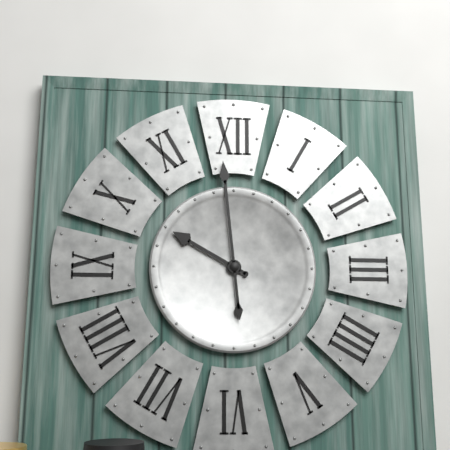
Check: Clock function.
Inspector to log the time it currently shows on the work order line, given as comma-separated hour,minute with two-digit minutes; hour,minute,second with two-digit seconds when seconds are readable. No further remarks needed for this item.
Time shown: 9,59
